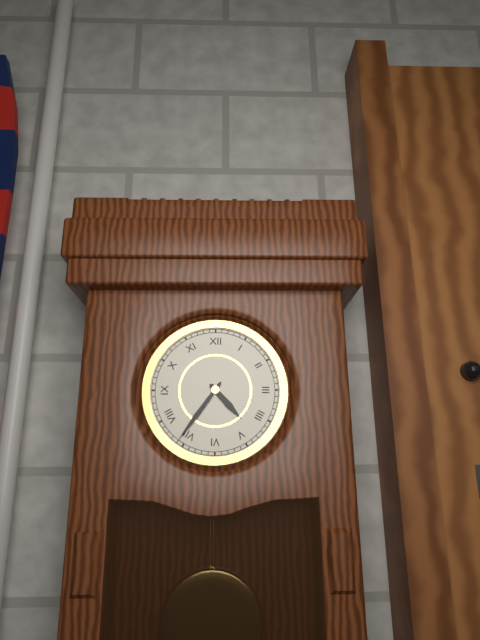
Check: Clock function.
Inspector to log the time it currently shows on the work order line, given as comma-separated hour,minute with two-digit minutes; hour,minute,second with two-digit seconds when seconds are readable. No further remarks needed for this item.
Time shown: 4,36
